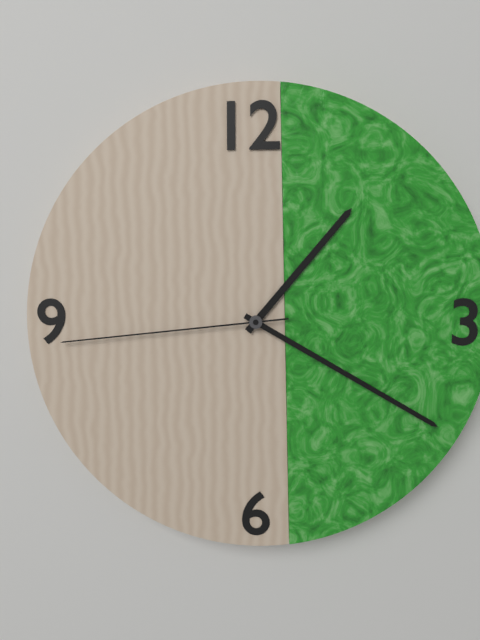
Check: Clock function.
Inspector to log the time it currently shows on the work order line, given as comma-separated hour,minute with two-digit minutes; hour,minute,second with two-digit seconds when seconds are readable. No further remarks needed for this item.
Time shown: 1,20,44
